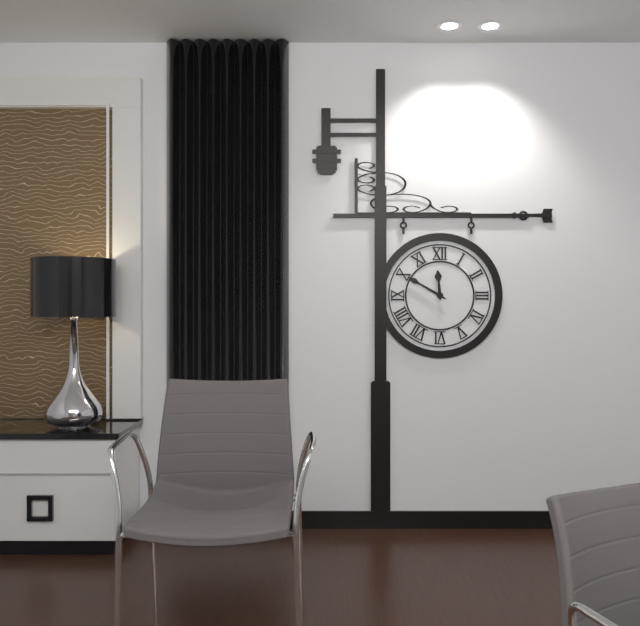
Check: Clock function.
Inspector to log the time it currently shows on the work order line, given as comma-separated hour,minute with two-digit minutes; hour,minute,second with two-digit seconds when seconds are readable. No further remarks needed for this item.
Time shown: 11,50
